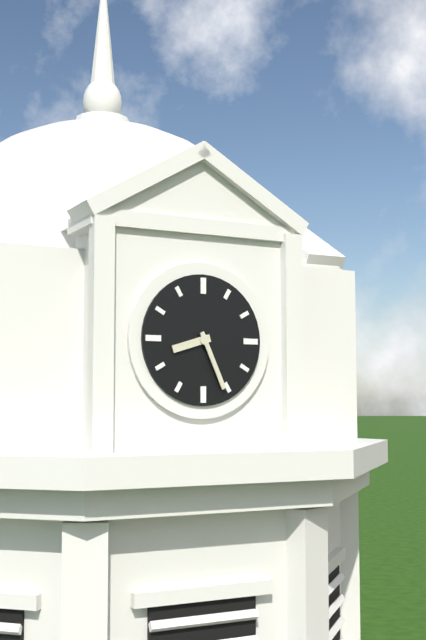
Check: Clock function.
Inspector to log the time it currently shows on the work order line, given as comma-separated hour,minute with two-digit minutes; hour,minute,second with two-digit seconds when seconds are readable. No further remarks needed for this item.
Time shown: 8,26
